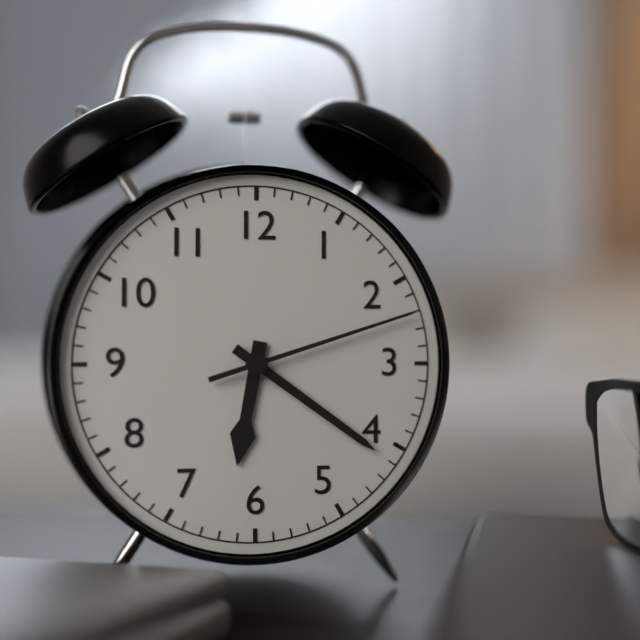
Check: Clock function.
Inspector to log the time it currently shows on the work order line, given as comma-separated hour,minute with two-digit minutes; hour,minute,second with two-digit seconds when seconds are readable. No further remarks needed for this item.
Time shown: 6,21,12
